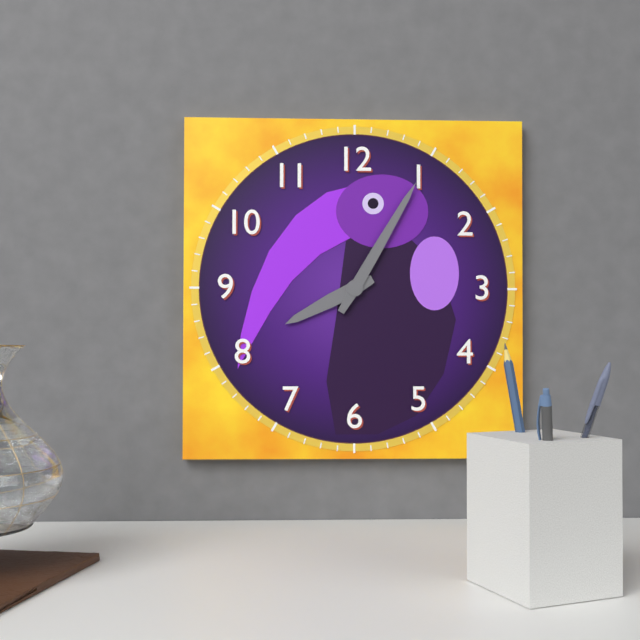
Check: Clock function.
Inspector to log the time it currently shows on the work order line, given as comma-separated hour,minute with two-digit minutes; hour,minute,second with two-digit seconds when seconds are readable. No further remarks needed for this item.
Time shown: 8,05
